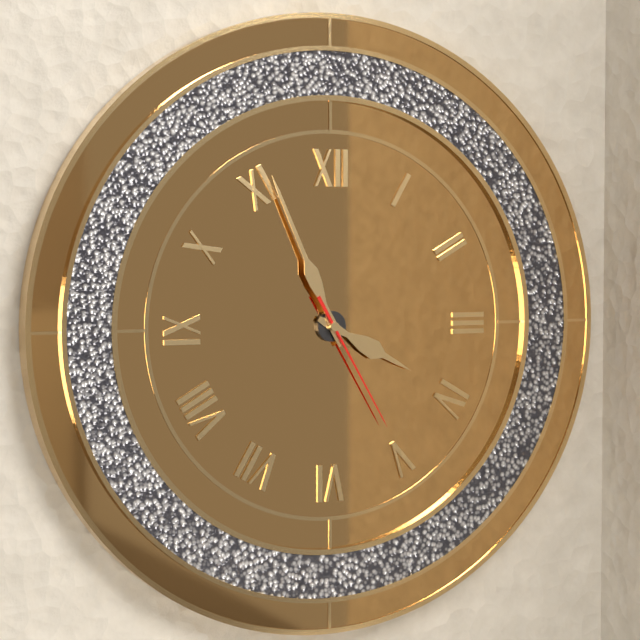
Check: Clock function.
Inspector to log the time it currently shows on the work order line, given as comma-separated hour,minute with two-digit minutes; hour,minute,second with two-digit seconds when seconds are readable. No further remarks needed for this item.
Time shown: 3,56,25
